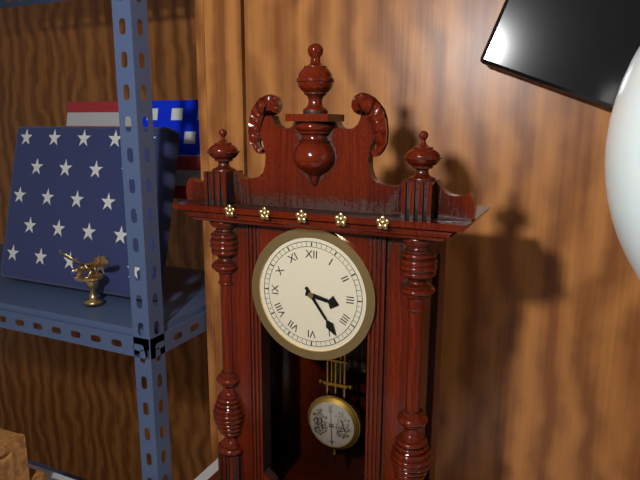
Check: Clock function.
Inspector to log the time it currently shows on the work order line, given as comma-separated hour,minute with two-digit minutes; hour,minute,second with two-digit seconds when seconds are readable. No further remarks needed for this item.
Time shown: 3,24
